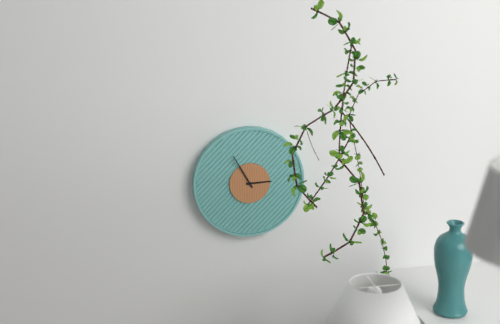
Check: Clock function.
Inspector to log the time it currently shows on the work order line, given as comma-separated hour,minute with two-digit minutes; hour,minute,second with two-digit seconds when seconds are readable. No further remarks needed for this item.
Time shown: 2,55
